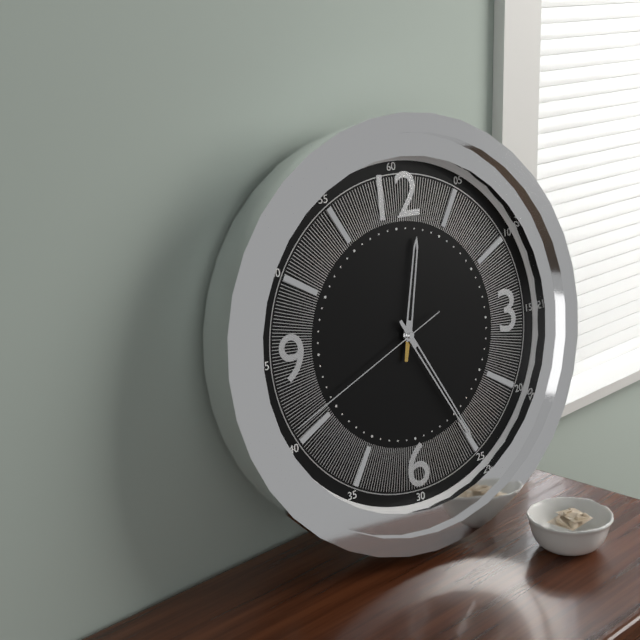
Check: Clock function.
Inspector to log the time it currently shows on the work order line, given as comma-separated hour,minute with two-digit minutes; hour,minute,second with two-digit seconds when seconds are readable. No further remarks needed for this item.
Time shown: 12,25,41
